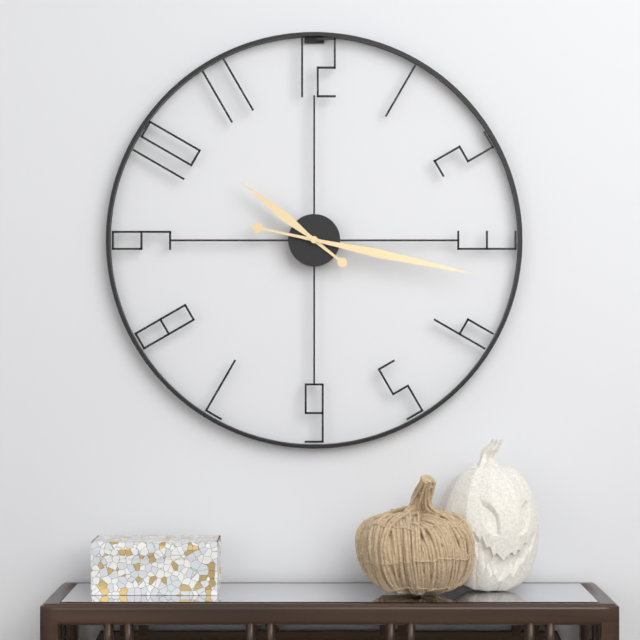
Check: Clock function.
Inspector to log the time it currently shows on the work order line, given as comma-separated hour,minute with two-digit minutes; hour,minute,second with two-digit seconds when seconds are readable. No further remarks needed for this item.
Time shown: 10,17
